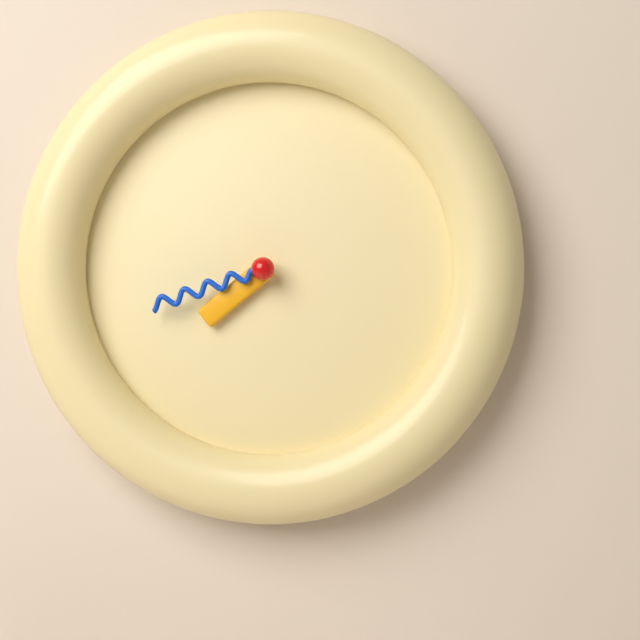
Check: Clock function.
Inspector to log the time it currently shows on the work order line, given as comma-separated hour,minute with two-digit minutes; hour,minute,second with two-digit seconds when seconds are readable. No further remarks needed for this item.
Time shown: 7,42
